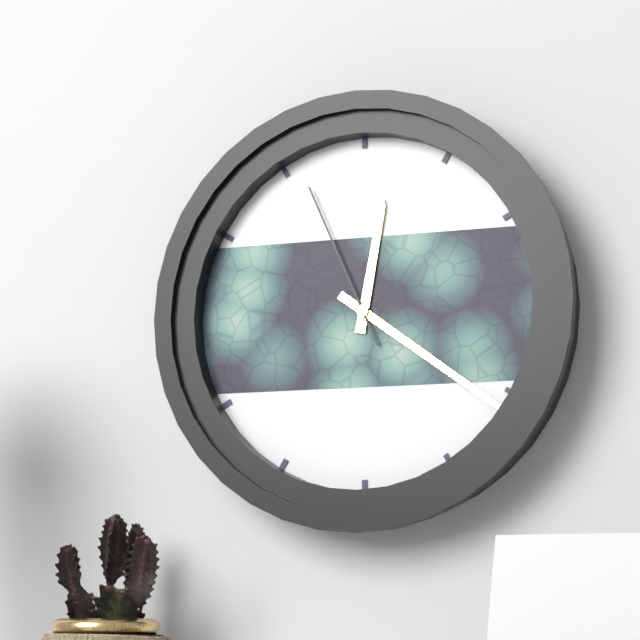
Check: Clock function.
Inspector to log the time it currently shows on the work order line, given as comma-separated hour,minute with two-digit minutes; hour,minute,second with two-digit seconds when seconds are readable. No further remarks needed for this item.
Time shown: 12,21,56
